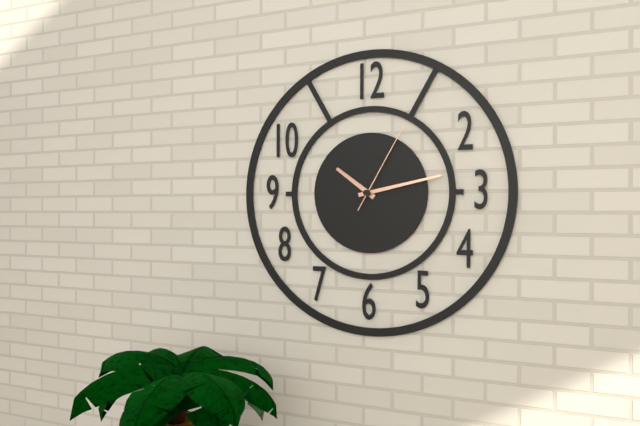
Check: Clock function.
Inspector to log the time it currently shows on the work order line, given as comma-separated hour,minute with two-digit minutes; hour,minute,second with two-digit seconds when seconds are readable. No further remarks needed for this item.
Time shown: 10,13,05
